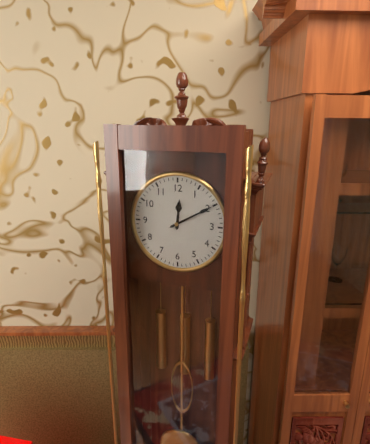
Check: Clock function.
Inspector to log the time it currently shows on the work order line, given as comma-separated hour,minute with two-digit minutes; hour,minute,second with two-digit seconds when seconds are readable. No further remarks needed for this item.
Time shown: 12,10
